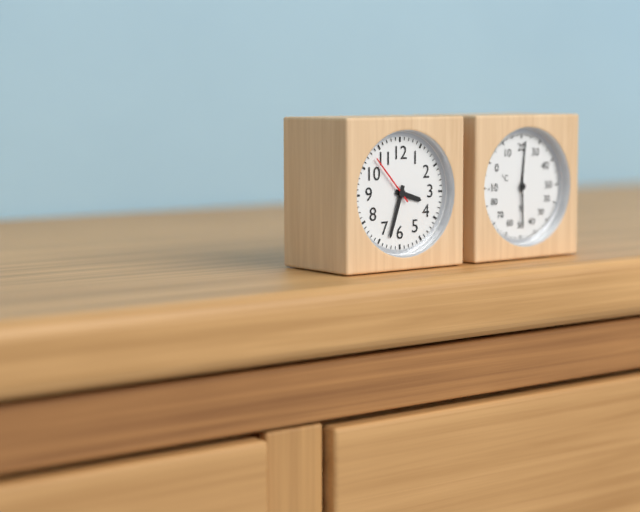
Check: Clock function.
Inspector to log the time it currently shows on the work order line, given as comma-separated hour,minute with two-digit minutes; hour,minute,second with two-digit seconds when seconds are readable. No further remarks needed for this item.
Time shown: 3,33,53
